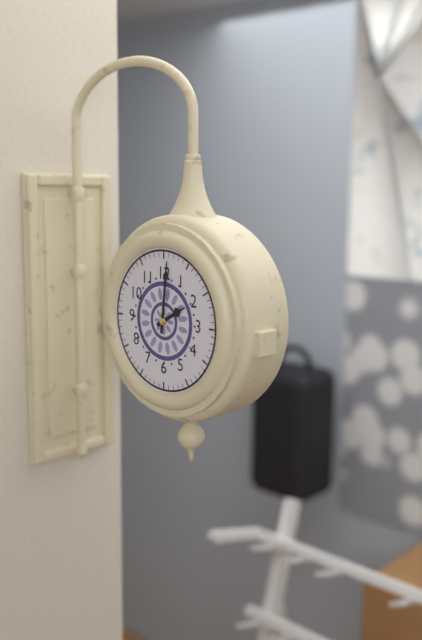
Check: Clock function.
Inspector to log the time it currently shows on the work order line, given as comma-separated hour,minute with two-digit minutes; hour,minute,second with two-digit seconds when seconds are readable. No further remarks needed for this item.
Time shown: 2,01
